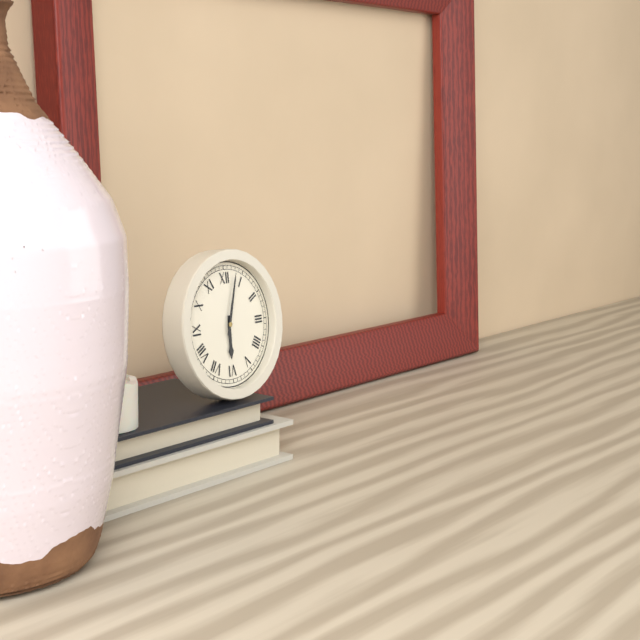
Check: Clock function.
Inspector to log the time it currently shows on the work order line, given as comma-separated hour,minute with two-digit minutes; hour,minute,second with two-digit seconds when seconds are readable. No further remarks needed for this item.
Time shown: 6,03
